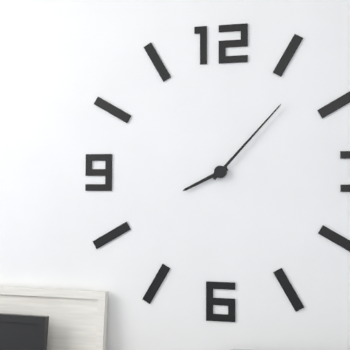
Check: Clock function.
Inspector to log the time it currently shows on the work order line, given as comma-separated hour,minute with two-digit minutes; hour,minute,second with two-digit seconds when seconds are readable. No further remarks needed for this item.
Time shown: 8,07
